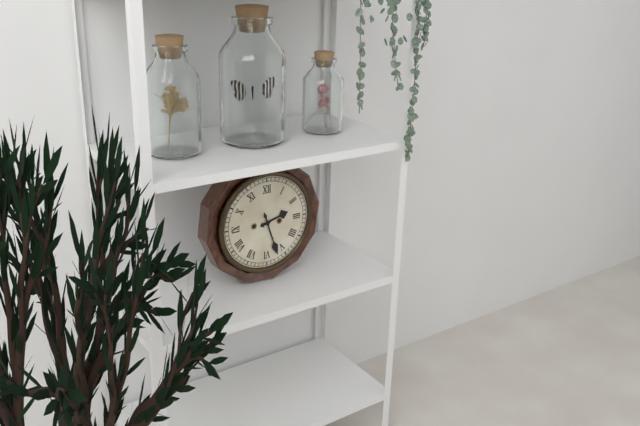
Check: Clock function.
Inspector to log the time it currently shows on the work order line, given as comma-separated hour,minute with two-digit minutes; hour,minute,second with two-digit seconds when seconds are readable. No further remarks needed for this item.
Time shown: 2,27
